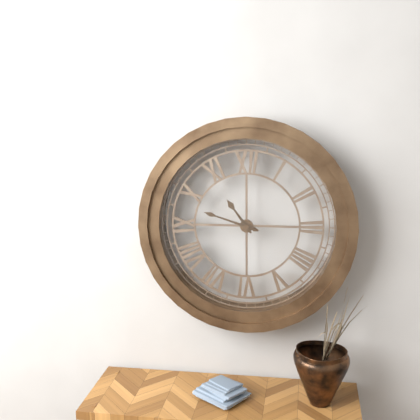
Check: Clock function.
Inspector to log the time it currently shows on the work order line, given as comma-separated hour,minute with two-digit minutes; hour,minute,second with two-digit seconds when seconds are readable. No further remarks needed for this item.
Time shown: 10,48
